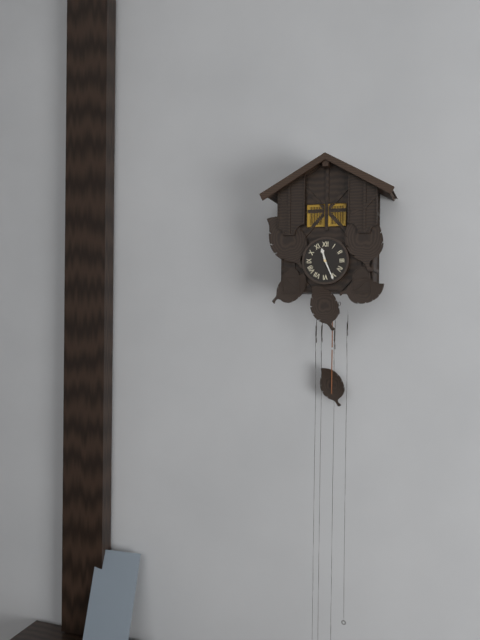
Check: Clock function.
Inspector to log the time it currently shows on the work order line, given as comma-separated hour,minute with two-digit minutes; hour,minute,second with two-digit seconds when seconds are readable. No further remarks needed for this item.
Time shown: 11,26
